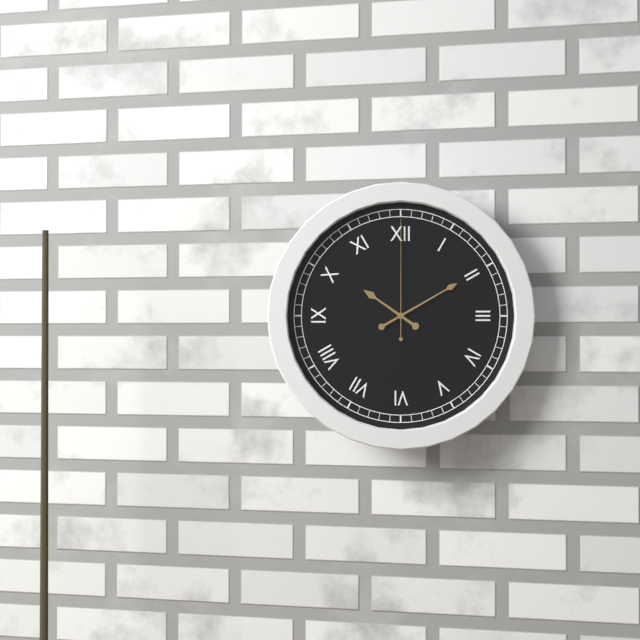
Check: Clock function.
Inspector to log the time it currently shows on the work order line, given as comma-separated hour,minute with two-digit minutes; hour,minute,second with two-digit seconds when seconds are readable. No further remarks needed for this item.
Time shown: 10,10,00
